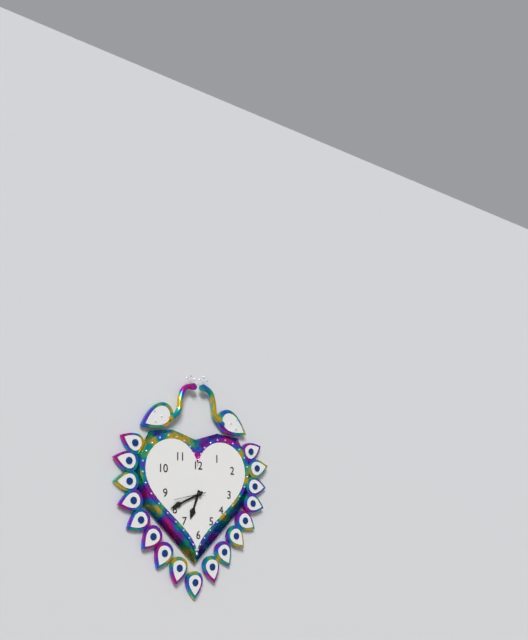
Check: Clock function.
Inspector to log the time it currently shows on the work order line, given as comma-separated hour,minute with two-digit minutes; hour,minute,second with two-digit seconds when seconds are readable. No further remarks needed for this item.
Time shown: 6,41
